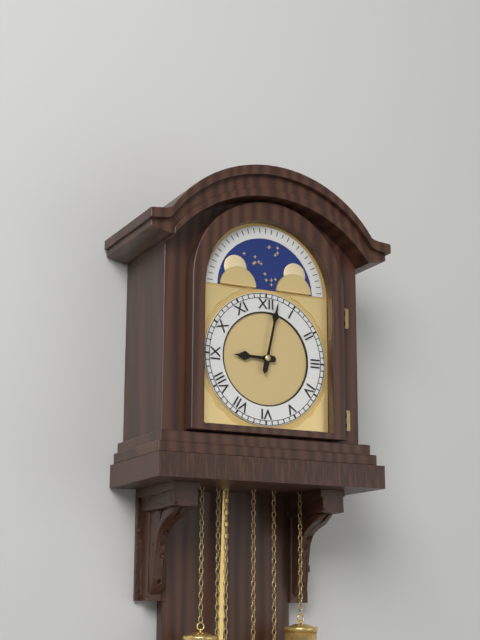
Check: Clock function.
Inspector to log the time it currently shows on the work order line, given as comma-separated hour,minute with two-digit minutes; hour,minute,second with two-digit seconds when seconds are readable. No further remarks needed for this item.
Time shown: 9,02
